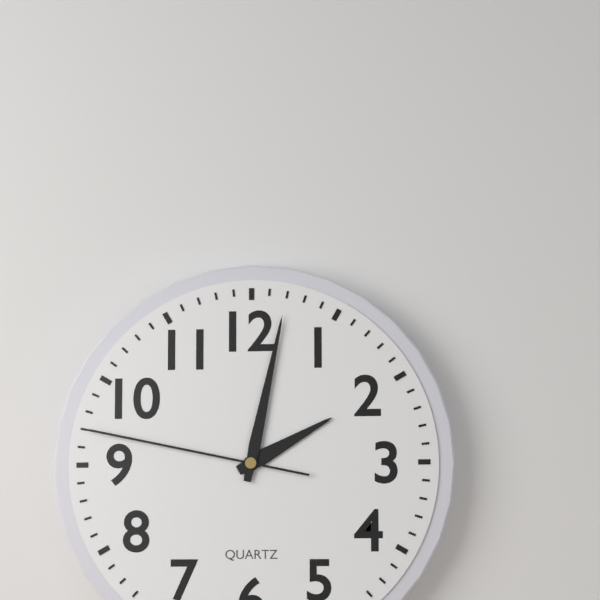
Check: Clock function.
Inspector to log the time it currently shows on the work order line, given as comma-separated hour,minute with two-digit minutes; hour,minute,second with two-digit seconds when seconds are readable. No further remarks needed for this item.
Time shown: 2,02,47
